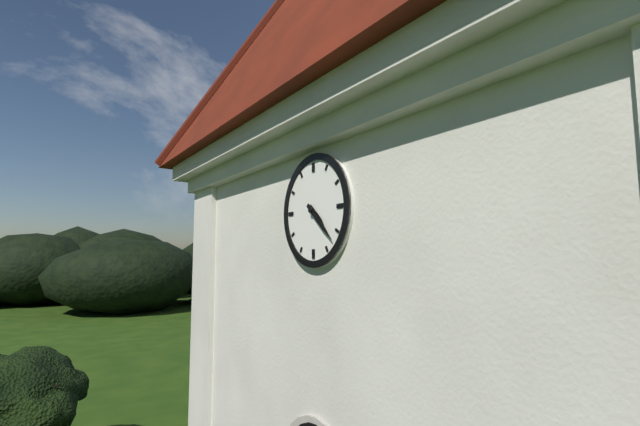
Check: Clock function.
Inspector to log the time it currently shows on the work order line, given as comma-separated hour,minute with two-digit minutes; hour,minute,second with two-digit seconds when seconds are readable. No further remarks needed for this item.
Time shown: 4,22
